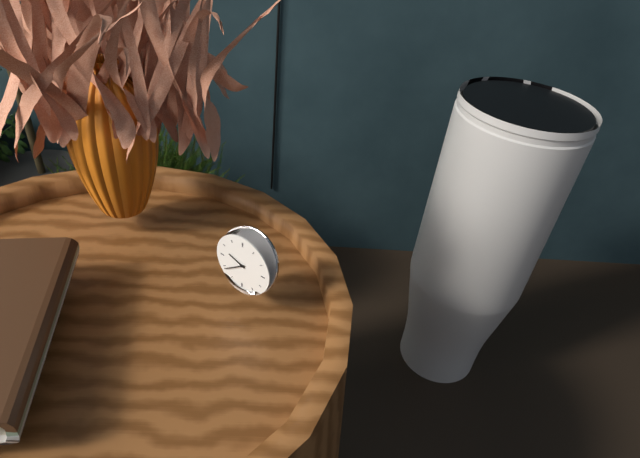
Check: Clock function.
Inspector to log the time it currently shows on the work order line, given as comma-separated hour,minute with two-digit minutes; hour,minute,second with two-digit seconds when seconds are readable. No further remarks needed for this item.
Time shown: 9,39
